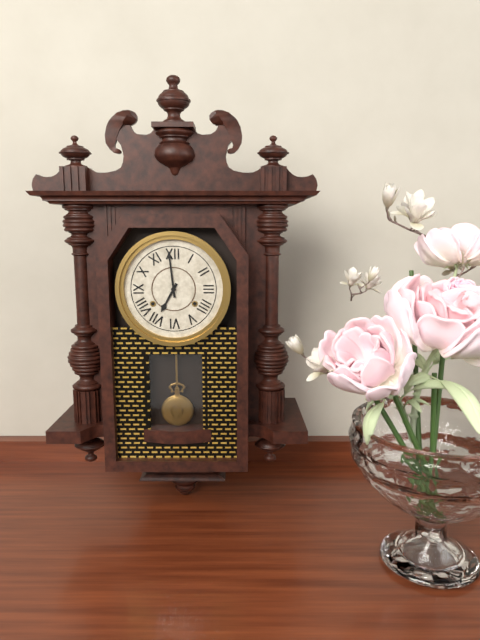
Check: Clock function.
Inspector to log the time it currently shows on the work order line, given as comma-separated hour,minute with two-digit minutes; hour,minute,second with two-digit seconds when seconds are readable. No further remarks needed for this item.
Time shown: 6,59
